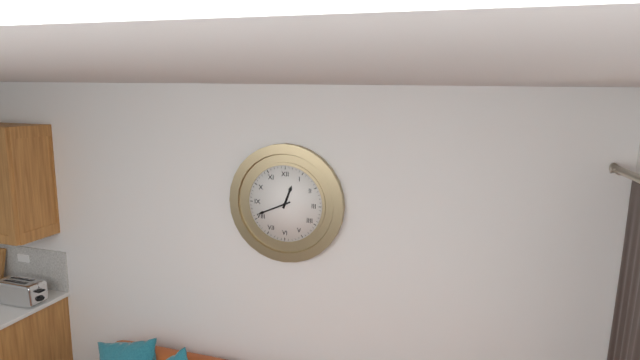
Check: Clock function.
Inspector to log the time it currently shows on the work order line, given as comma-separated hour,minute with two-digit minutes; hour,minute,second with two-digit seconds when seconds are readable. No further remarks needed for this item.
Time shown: 12,41
